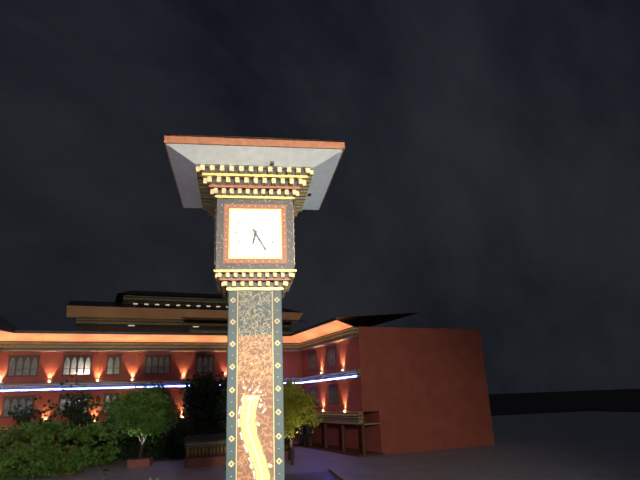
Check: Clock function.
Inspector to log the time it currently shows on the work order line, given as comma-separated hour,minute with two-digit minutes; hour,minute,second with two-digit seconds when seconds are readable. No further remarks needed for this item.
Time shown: 6,25
